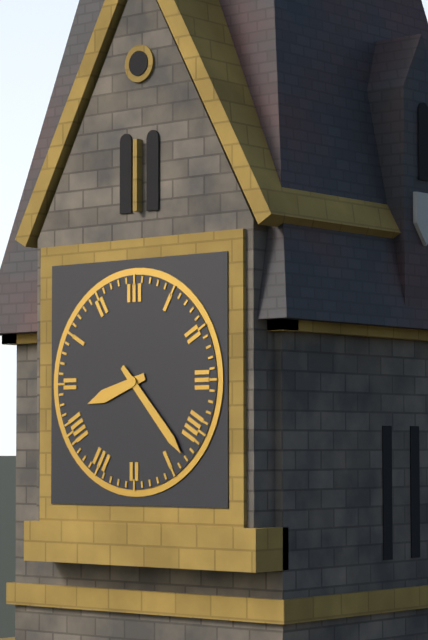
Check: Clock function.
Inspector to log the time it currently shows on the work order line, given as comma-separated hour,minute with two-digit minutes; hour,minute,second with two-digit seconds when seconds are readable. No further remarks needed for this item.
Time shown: 8,23
